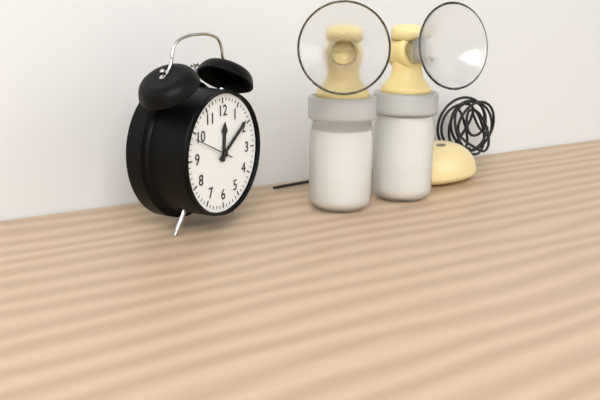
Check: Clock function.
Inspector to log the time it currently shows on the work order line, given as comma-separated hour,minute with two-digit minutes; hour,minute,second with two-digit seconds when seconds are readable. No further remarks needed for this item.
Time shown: 12,09
